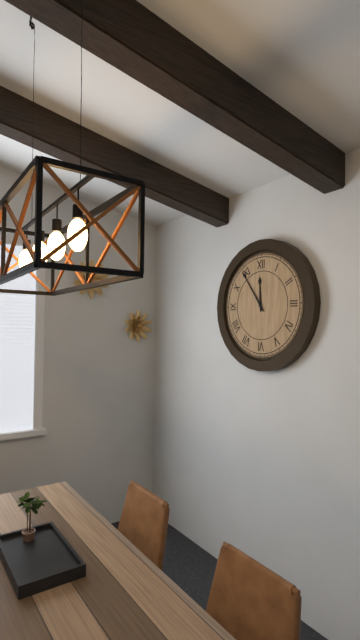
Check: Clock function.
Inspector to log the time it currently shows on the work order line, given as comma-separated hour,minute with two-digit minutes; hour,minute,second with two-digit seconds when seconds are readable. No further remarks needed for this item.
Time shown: 11,54
